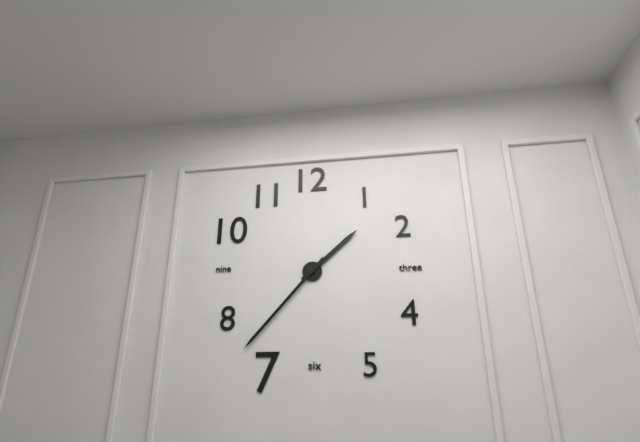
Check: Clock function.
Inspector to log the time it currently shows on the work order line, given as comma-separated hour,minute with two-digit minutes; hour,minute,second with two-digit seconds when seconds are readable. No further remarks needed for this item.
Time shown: 1,37
